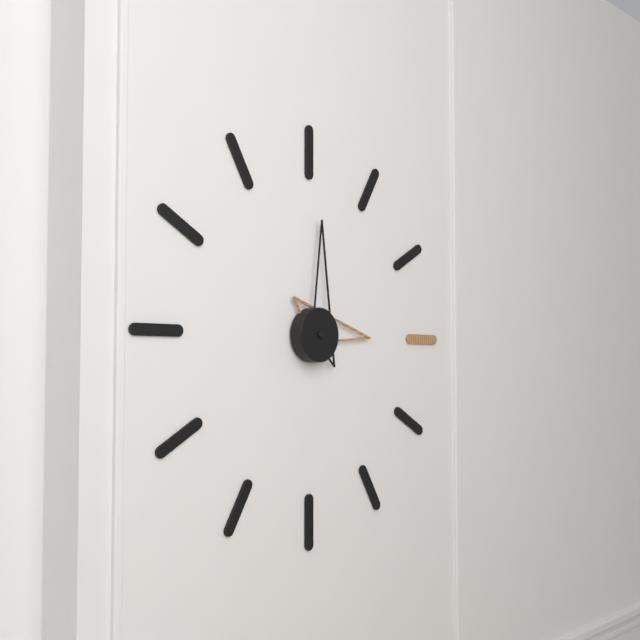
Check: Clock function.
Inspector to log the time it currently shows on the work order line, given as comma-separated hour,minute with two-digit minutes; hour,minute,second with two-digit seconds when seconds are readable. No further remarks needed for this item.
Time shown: 3,01
